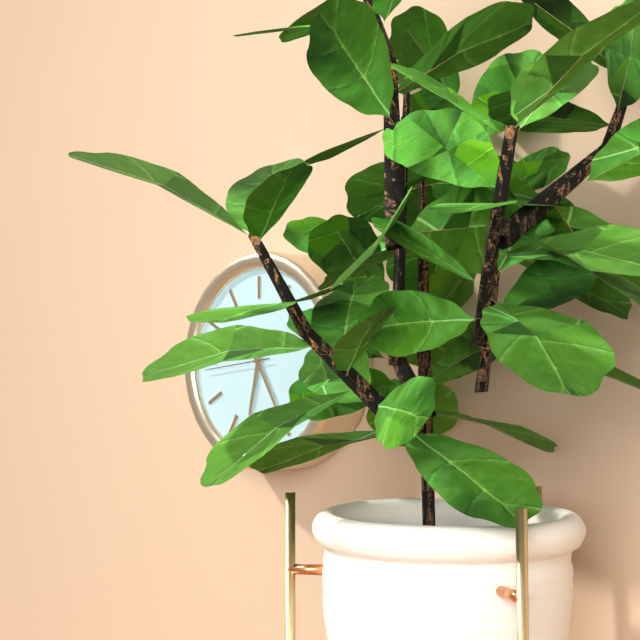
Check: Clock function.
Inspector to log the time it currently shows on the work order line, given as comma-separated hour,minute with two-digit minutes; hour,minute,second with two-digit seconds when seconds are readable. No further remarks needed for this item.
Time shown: 6,25,44
